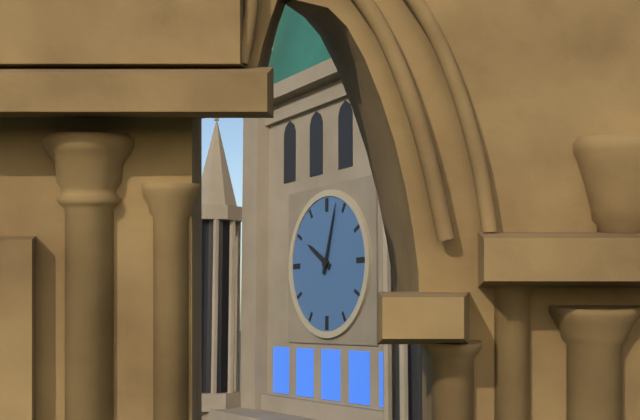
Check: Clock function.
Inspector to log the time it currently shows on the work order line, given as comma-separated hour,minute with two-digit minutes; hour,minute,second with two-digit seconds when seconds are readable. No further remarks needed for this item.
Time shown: 10,03
